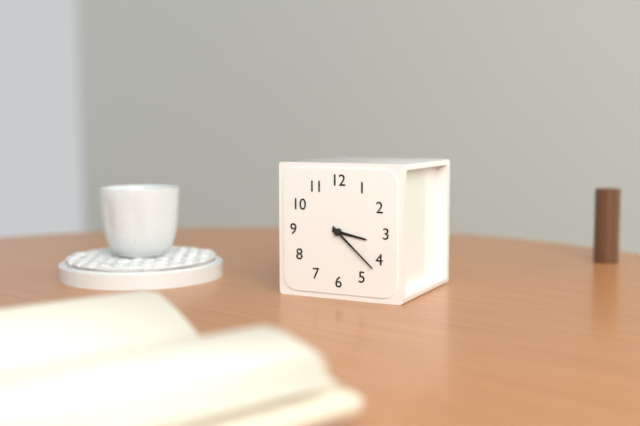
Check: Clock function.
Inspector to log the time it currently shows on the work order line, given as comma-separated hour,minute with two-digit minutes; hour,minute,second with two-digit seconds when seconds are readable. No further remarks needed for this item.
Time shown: 3,22
